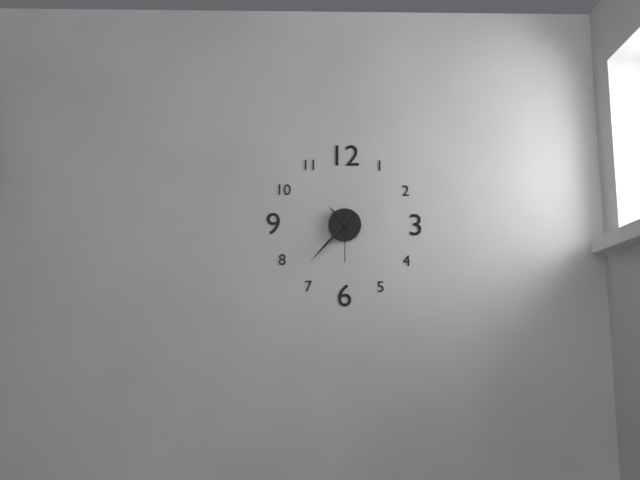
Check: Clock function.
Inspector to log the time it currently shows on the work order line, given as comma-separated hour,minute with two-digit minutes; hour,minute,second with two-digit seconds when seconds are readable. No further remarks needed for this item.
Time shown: 10,37
